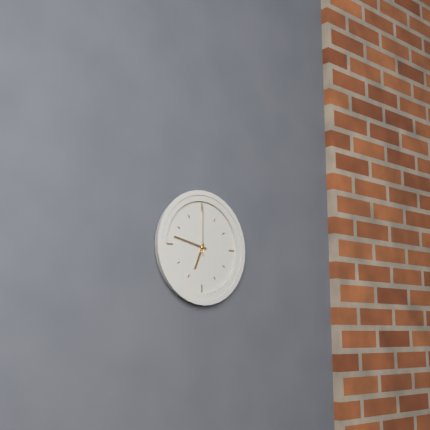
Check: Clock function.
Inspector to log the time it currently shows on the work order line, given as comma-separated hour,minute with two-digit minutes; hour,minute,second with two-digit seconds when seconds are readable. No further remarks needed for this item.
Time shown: 6,47,00
